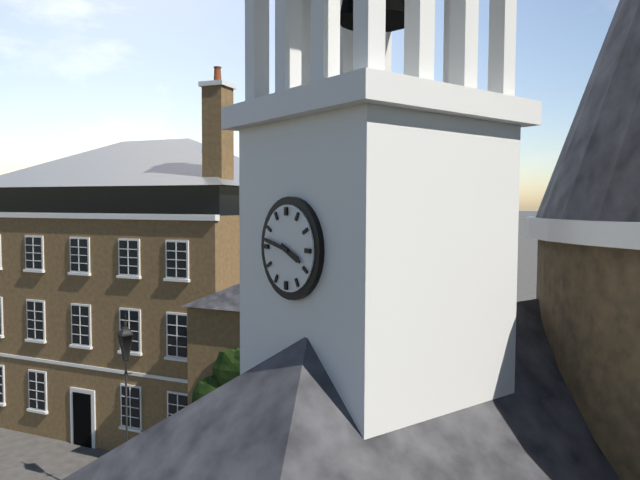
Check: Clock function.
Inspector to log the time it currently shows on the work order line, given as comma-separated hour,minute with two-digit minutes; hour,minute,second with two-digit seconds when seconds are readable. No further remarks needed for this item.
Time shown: 3,47
